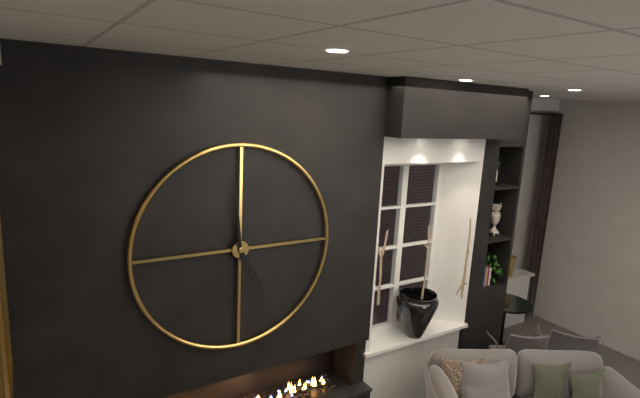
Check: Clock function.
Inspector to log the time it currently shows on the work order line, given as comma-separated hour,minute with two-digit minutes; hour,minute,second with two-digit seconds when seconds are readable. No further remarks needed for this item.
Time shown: 4,59
